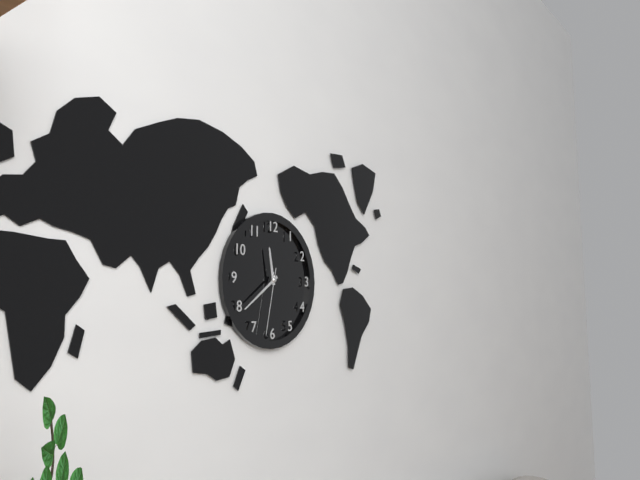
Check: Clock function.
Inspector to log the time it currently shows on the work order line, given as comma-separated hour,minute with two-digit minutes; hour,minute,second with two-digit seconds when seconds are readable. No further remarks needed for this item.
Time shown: 11,39,32
